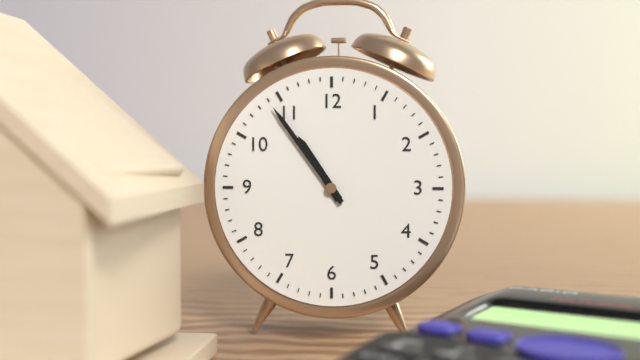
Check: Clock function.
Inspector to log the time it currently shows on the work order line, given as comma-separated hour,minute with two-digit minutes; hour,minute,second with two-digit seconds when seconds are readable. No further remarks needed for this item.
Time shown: 10,54
